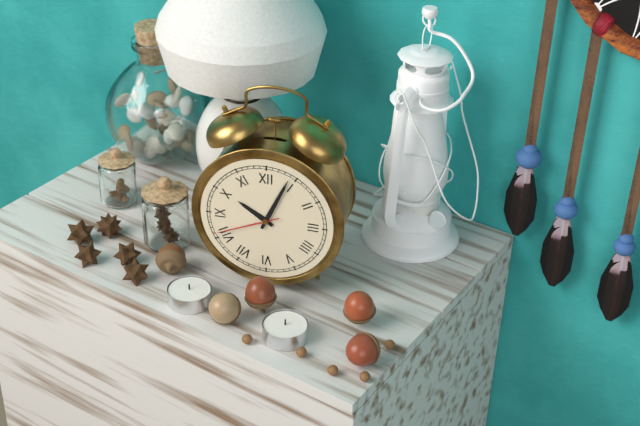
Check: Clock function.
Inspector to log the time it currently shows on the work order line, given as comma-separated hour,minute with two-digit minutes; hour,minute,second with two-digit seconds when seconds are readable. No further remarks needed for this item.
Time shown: 10,04,41
